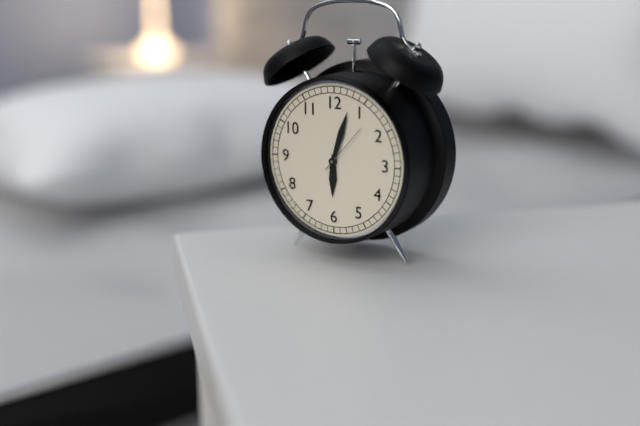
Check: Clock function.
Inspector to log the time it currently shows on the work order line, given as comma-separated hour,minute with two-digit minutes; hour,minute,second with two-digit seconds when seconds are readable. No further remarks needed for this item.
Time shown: 6,03,07
